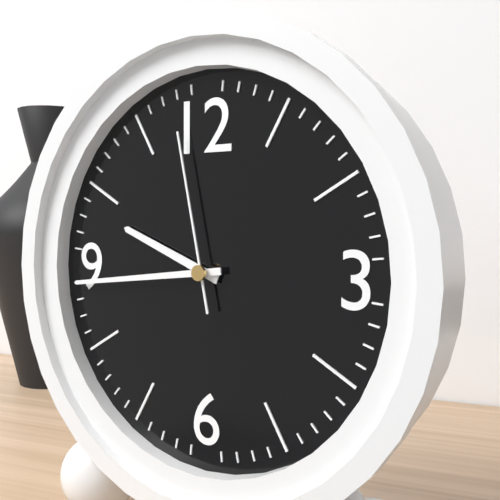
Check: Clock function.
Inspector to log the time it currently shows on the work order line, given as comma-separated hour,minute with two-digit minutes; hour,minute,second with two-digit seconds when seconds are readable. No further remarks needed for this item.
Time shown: 9,44,58
